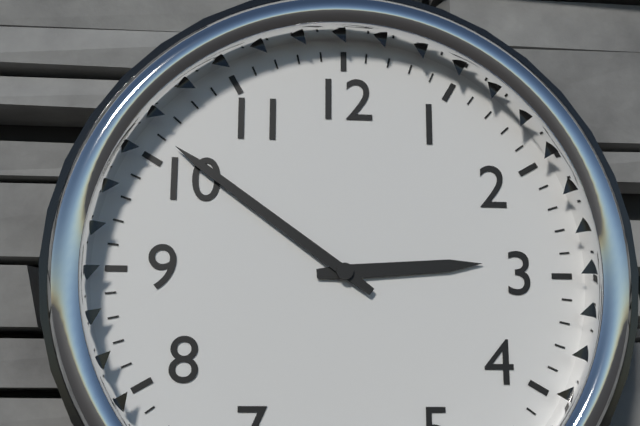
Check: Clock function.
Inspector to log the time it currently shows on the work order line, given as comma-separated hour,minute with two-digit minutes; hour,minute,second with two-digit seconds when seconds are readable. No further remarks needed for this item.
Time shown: 2,51
